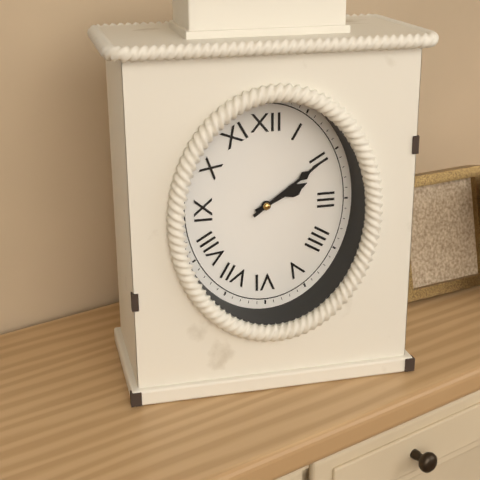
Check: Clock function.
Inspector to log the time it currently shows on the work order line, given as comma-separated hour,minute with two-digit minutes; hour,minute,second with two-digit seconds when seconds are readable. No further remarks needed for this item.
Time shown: 2,09
